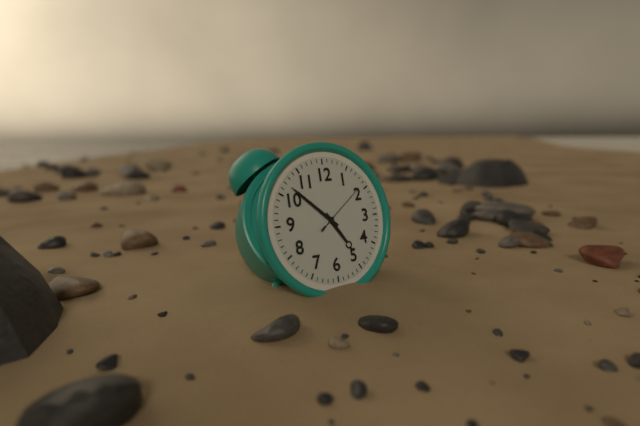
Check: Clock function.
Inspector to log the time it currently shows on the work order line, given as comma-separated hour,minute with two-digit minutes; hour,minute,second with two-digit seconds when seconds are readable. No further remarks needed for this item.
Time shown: 4,52,09
